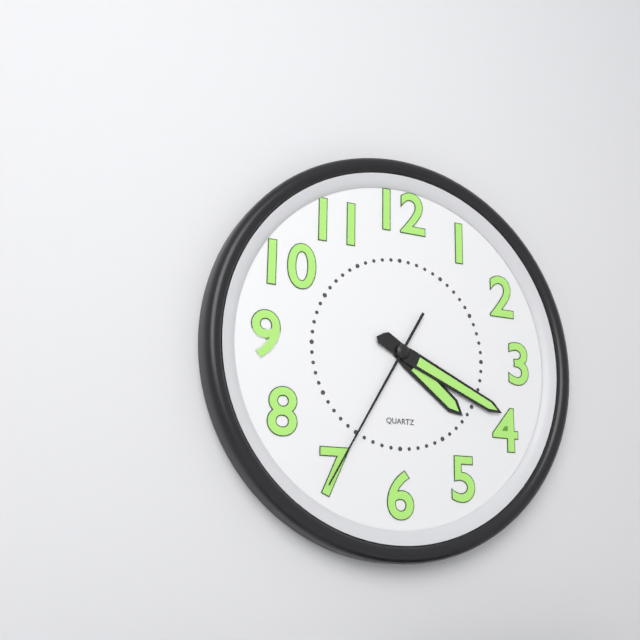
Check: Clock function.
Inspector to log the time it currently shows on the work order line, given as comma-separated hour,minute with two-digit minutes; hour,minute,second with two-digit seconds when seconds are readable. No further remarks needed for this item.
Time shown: 4,19,35
